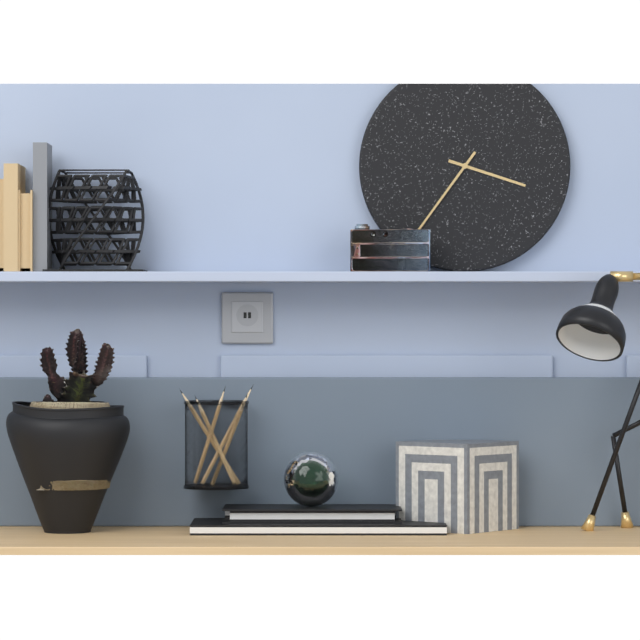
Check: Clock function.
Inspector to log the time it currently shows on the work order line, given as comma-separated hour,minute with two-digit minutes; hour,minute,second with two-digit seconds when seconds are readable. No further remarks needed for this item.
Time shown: 3,36
